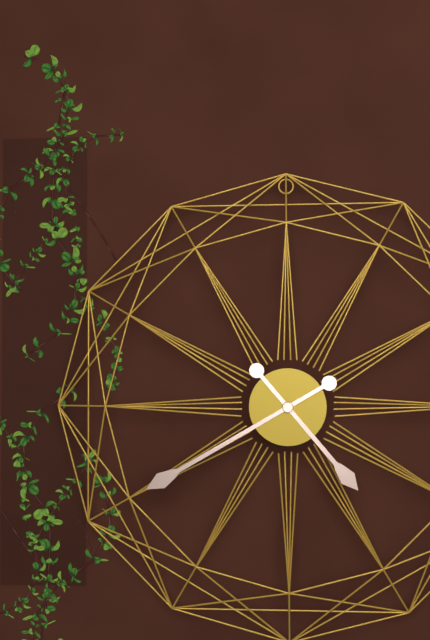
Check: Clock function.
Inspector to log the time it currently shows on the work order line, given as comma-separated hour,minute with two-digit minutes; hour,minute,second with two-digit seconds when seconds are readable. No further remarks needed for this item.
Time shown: 4,40
